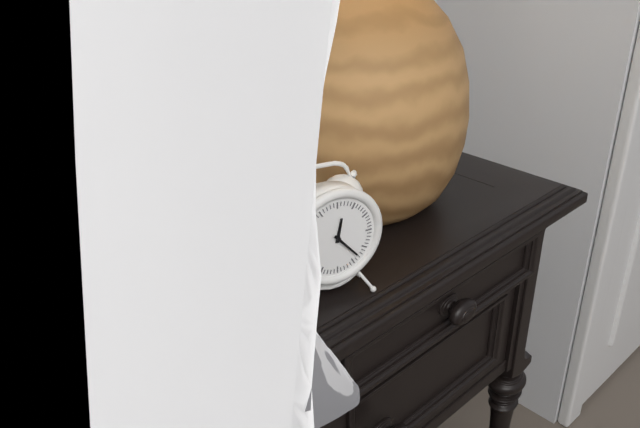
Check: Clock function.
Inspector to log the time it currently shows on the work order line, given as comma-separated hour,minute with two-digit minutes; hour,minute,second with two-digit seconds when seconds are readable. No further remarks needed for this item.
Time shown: 12,23
